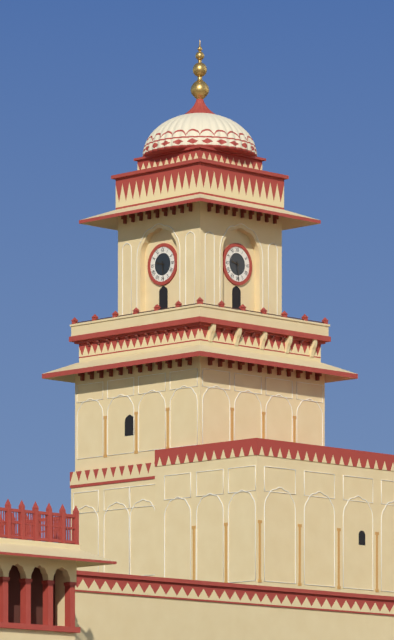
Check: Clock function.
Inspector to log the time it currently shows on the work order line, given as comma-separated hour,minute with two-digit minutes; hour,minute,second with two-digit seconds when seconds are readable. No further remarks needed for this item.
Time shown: 9,29
